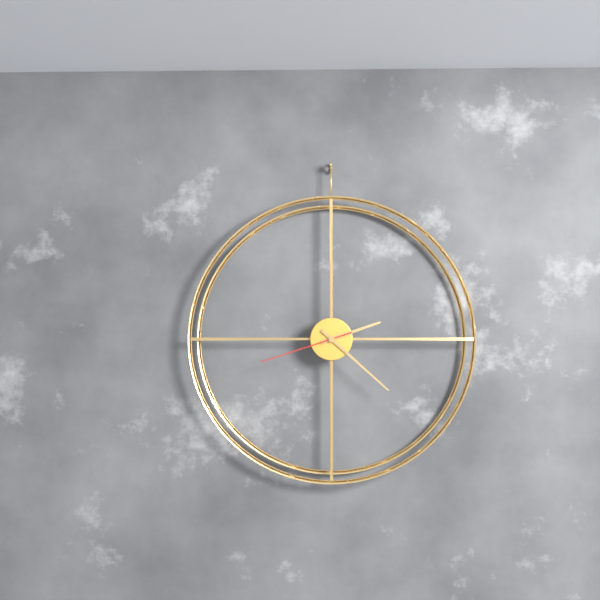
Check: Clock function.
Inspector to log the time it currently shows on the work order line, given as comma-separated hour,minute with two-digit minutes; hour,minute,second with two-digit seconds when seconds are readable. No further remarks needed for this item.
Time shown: 2,22,42
